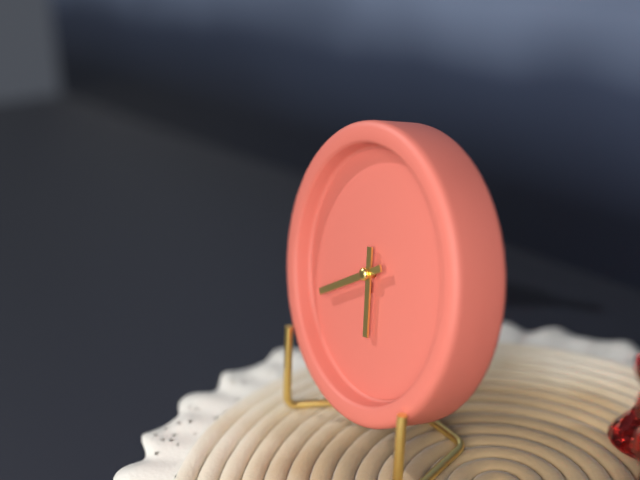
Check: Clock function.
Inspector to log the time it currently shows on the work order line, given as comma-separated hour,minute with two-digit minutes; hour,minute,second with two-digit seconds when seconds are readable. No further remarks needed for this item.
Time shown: 5,40
